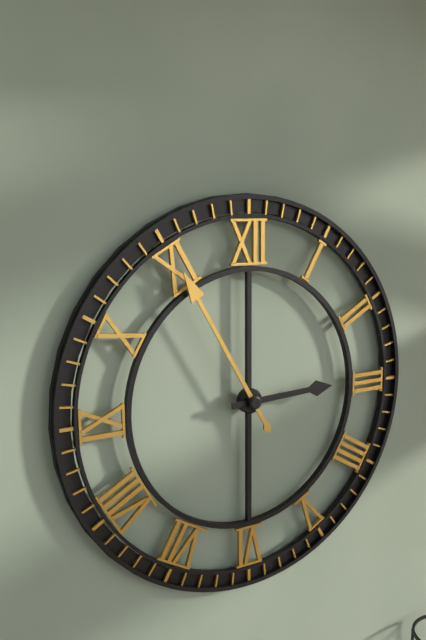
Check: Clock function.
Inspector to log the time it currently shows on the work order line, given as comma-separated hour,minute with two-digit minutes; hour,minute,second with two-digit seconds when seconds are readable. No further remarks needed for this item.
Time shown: 2,55
